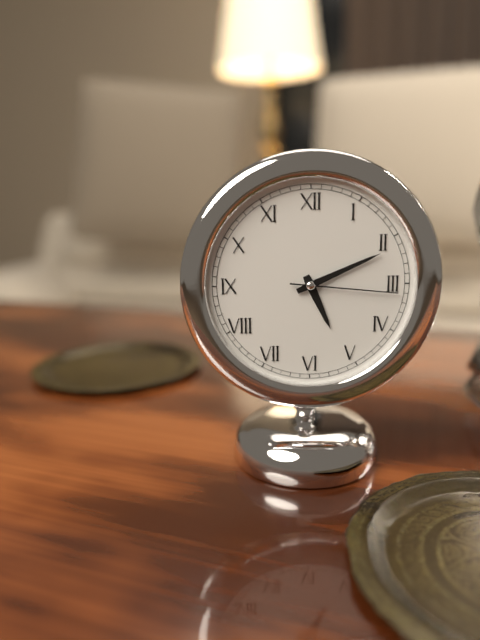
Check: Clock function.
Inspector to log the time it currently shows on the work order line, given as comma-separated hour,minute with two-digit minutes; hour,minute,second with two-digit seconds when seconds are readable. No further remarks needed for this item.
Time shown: 5,11,16
